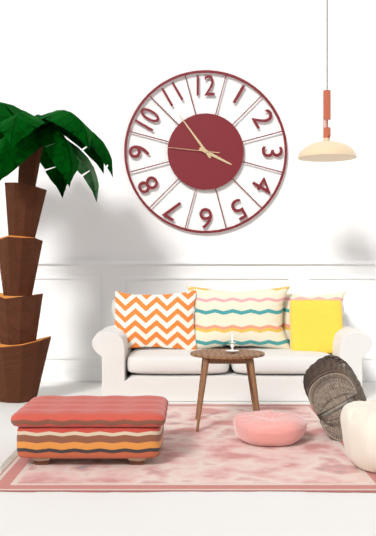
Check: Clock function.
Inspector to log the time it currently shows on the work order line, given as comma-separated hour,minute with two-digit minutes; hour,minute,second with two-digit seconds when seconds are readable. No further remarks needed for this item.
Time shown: 3,54,46
